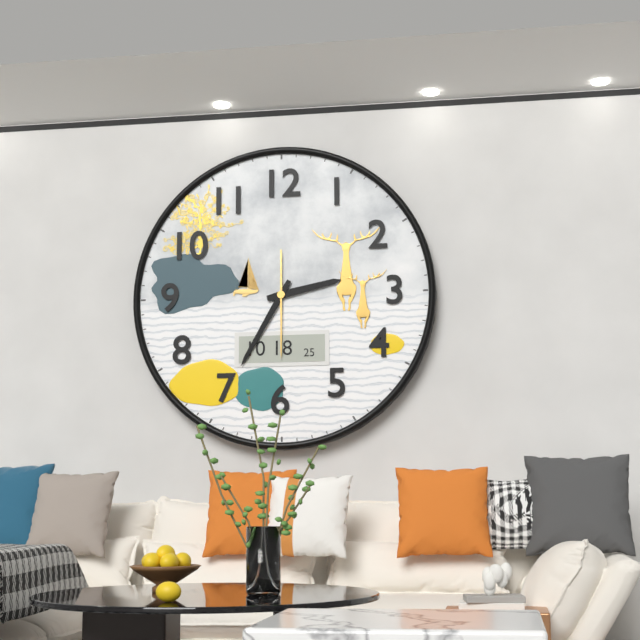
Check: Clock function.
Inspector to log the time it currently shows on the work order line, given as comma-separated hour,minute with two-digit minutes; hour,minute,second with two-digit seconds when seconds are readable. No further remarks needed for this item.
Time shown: 2,35,30
